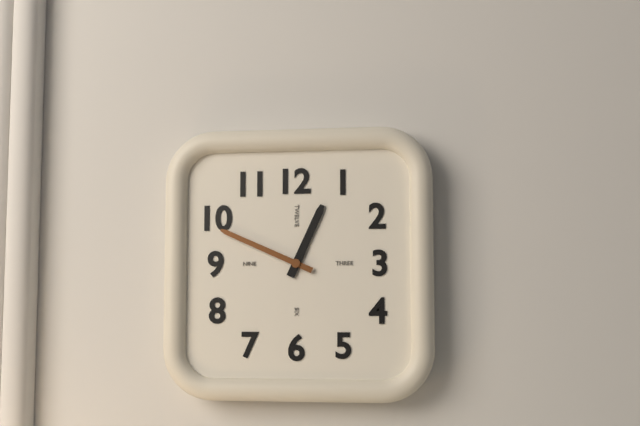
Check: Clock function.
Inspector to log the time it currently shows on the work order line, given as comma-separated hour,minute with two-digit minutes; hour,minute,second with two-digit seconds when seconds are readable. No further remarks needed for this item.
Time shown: 12,49
